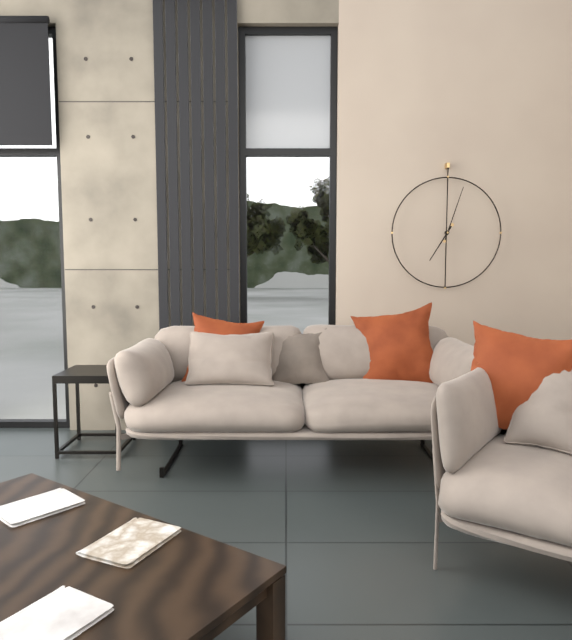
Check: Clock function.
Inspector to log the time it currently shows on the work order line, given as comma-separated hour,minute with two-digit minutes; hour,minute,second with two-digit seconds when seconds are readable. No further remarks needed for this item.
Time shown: 7,03
